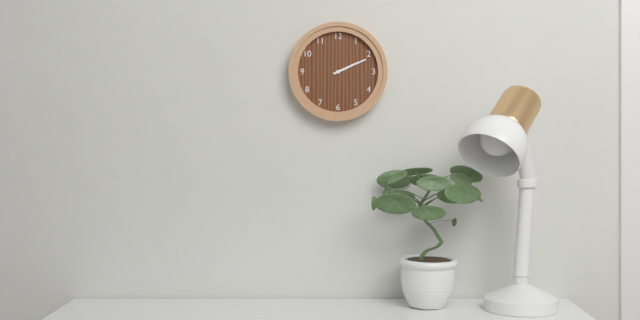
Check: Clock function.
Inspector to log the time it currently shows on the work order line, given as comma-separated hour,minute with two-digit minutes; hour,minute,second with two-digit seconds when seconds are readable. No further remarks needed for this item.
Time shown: 2,11
